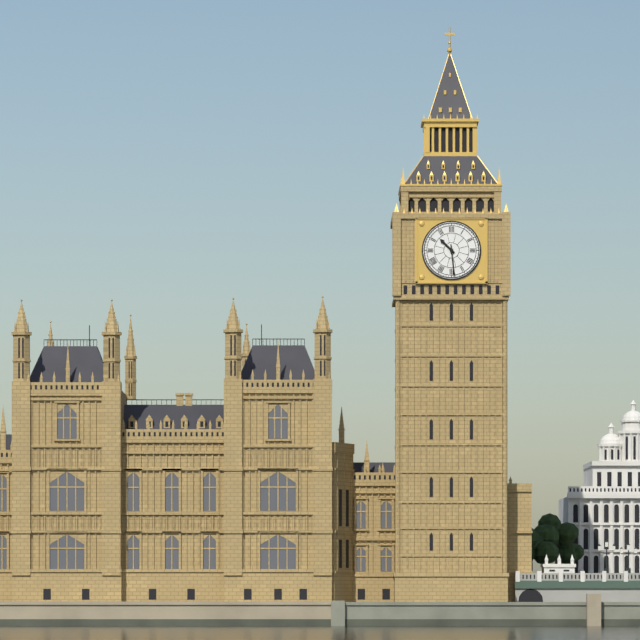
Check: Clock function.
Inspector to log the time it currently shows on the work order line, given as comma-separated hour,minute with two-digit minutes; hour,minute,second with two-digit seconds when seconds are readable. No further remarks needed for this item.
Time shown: 10,29
